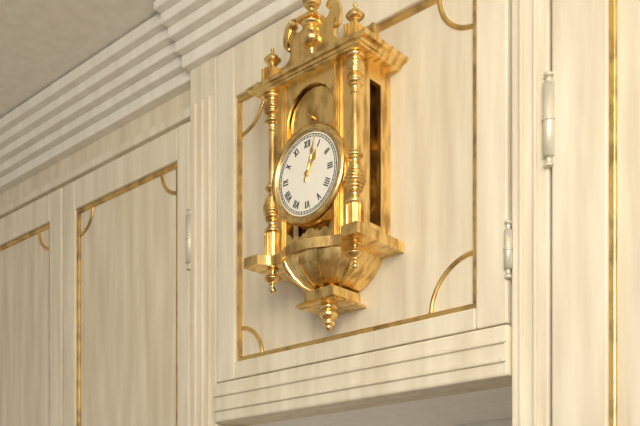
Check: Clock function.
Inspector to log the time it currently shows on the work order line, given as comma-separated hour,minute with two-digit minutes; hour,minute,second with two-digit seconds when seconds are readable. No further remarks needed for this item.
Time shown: 1,03
